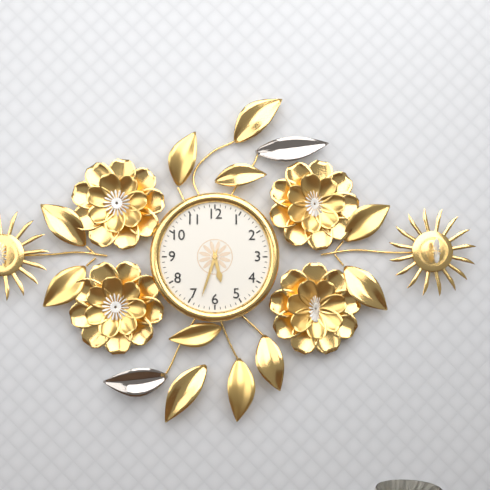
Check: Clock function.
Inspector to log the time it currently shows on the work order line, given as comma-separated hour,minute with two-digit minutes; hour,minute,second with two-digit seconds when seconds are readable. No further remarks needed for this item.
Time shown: 5,33
